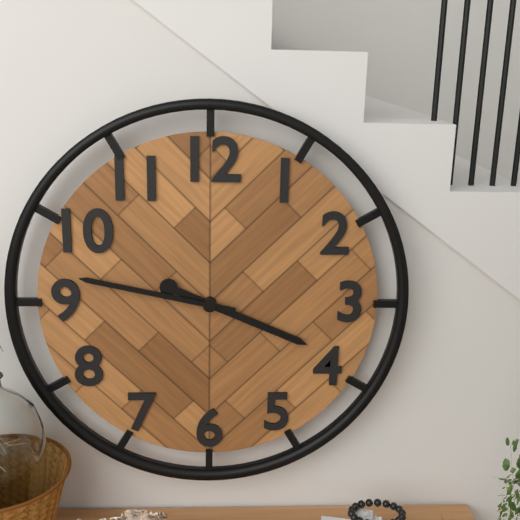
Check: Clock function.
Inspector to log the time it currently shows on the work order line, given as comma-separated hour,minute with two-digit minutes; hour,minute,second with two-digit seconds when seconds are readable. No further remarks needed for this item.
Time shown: 3,47
